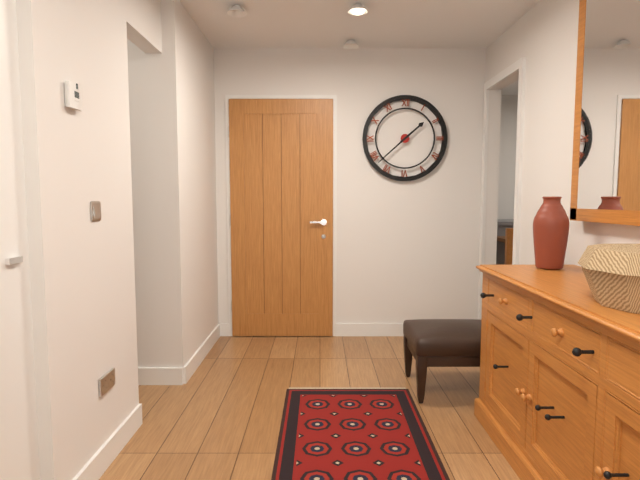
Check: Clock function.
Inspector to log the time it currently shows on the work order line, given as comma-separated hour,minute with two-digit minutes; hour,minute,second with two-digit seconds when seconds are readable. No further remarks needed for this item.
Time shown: 1,38
